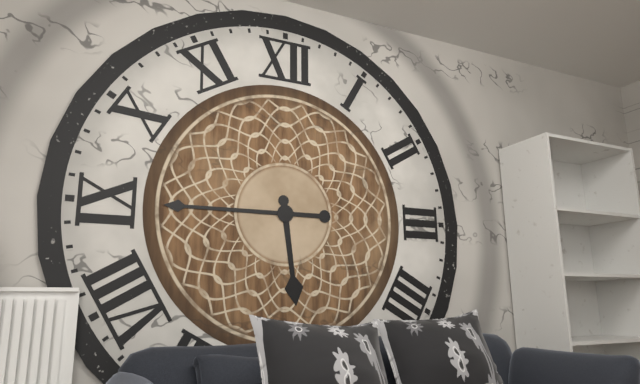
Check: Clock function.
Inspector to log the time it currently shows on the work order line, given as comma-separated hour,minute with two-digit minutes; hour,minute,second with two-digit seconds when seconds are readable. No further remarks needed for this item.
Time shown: 5,45
